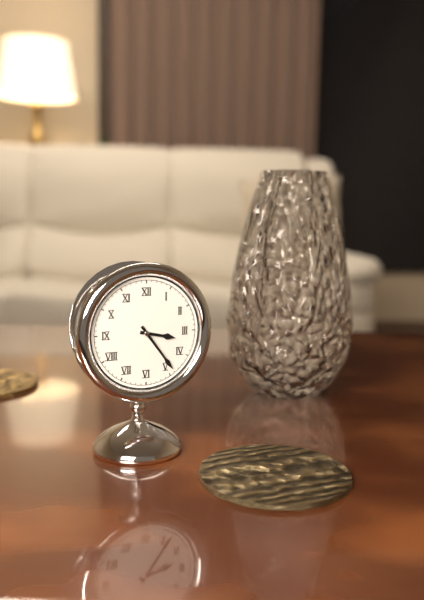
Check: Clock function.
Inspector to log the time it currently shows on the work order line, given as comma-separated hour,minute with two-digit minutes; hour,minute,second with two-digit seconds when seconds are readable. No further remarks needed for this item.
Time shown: 3,24
